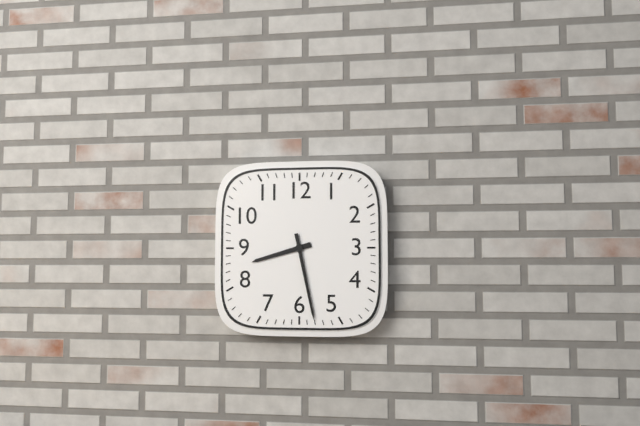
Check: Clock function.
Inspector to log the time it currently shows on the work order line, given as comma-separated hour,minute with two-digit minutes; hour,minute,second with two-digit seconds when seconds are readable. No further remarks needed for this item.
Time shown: 8,28
